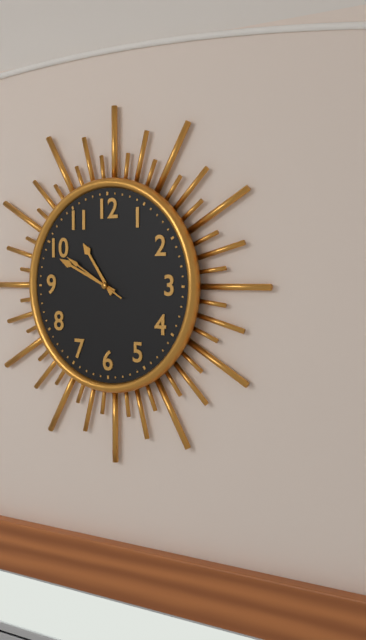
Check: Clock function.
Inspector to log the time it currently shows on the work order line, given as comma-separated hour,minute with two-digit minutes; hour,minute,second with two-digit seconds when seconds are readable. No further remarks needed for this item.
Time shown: 10,49,50
